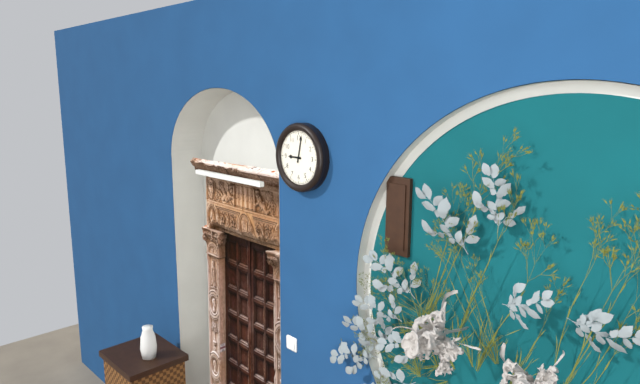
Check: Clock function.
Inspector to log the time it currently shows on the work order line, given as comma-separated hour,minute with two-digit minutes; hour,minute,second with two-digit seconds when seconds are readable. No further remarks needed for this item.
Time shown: 9,02
